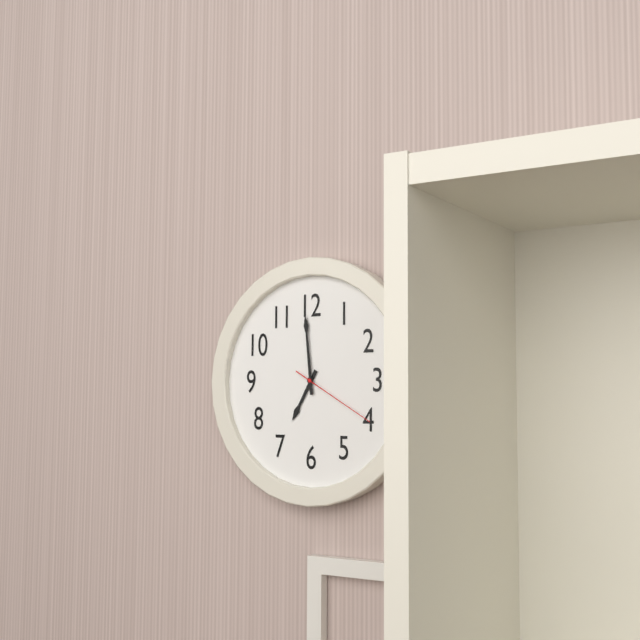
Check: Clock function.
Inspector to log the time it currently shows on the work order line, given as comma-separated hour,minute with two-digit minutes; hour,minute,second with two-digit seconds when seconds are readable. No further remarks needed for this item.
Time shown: 6,59,20
